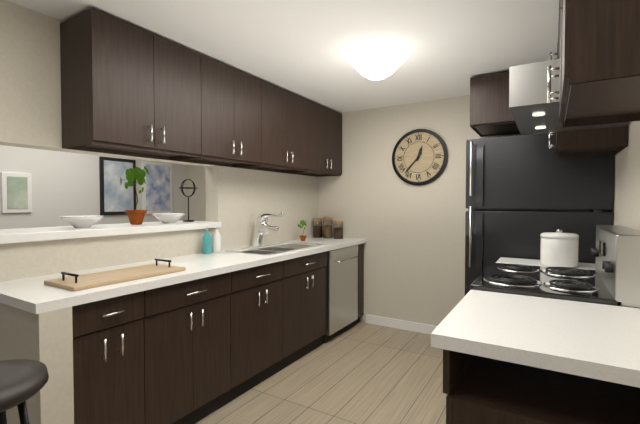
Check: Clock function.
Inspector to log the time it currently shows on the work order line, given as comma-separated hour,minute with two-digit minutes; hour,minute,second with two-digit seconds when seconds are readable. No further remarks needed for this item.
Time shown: 12,37
